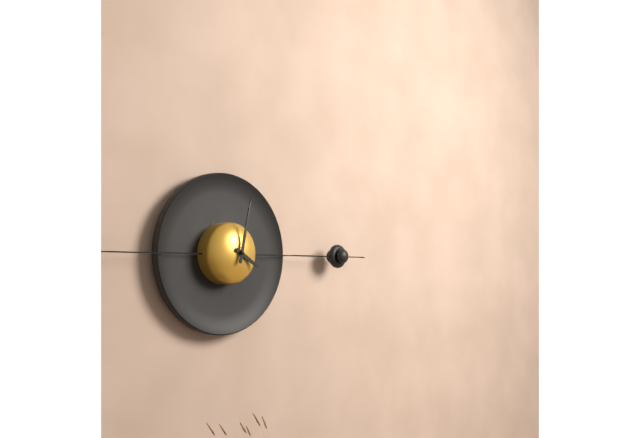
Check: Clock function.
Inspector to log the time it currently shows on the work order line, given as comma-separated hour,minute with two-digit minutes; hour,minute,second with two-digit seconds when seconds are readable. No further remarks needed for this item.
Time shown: 4,02
